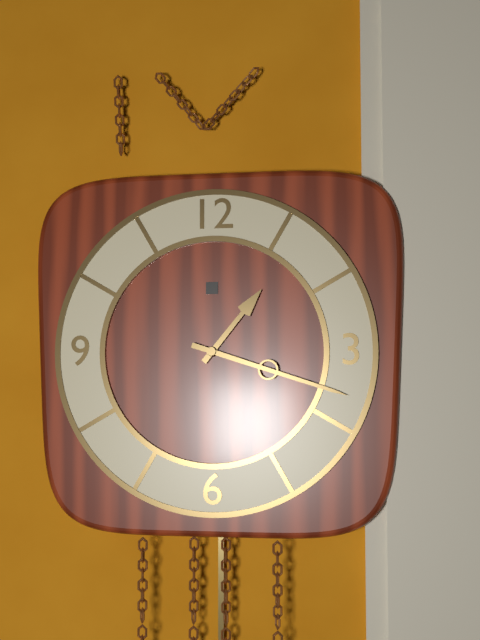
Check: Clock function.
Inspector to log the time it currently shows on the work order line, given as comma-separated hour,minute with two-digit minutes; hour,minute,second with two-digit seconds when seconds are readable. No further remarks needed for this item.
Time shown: 1,18
